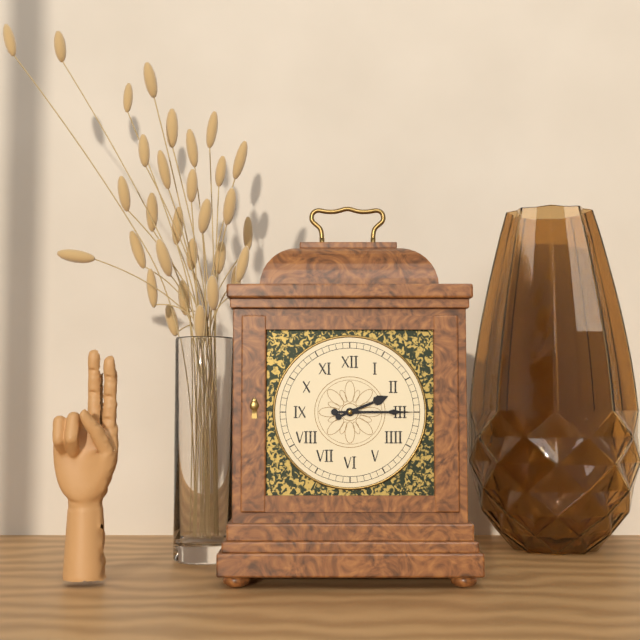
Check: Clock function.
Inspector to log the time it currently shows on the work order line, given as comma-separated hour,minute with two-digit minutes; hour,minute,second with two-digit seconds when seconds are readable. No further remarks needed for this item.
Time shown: 2,15
